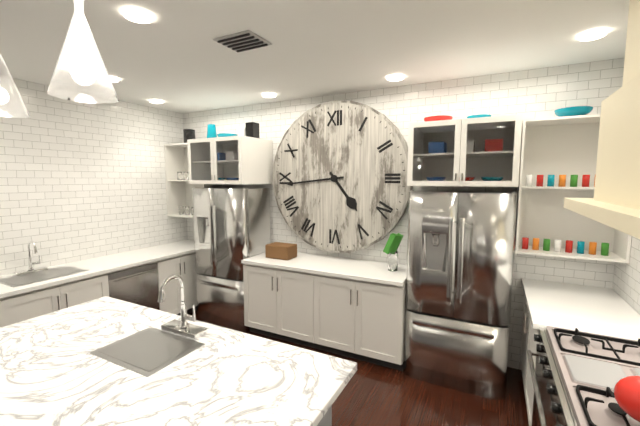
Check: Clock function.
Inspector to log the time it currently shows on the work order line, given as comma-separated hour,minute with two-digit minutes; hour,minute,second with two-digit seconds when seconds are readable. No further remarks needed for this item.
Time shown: 4,44
